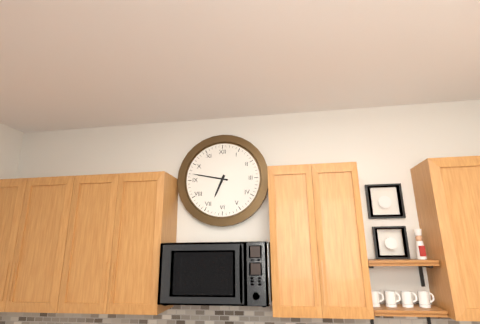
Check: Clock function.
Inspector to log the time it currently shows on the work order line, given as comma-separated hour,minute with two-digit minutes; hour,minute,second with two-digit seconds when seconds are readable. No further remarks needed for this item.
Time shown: 6,47
